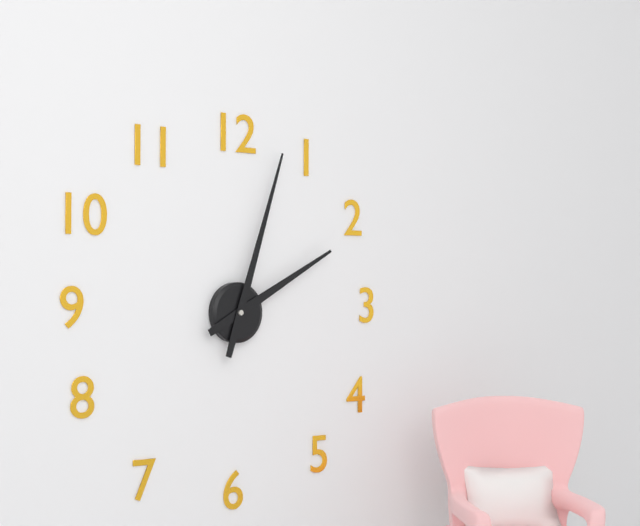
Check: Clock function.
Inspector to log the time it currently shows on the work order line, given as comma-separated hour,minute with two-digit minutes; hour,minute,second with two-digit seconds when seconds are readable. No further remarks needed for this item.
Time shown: 2,03
